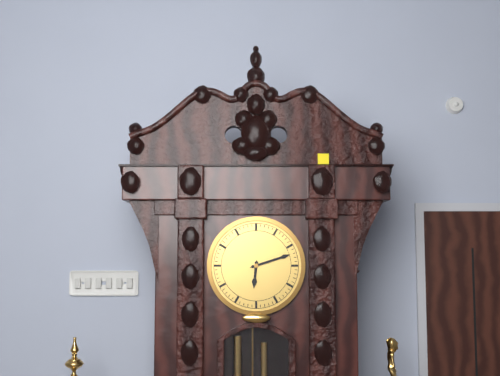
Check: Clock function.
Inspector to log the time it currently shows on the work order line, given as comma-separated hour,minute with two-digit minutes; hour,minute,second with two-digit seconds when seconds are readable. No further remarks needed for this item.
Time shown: 6,12
